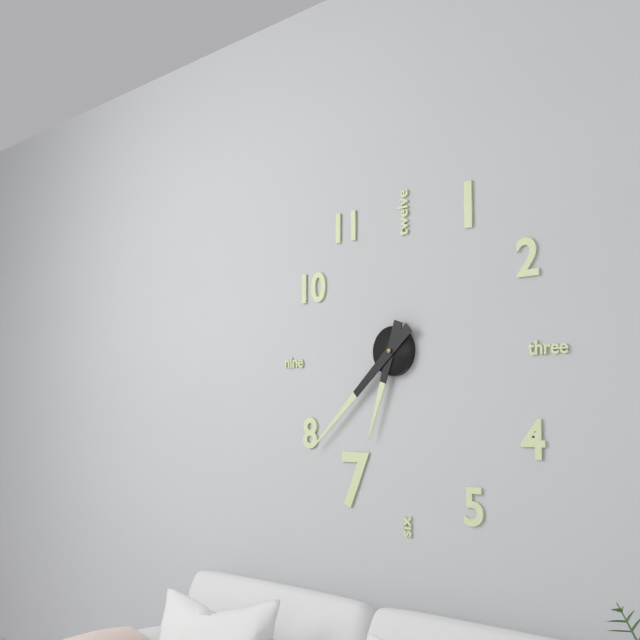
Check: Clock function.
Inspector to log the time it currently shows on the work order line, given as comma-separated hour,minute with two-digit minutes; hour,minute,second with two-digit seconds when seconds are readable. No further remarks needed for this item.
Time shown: 6,38
